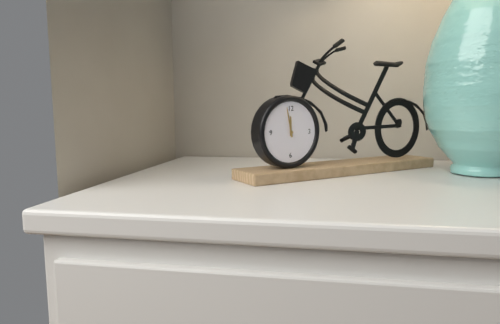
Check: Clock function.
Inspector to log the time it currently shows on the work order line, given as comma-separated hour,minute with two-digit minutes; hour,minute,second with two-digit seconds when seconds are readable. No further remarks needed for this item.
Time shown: 11,58
